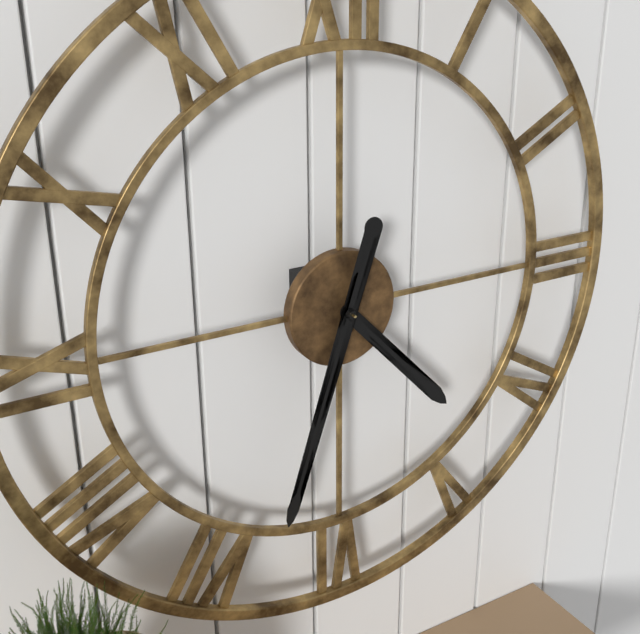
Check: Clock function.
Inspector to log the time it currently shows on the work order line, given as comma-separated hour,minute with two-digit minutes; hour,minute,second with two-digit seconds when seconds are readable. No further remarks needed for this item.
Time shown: 4,33
